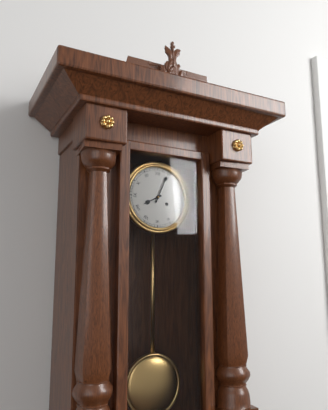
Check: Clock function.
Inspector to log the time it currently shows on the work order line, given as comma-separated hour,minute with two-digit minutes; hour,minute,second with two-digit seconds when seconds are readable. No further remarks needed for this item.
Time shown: 8,04
